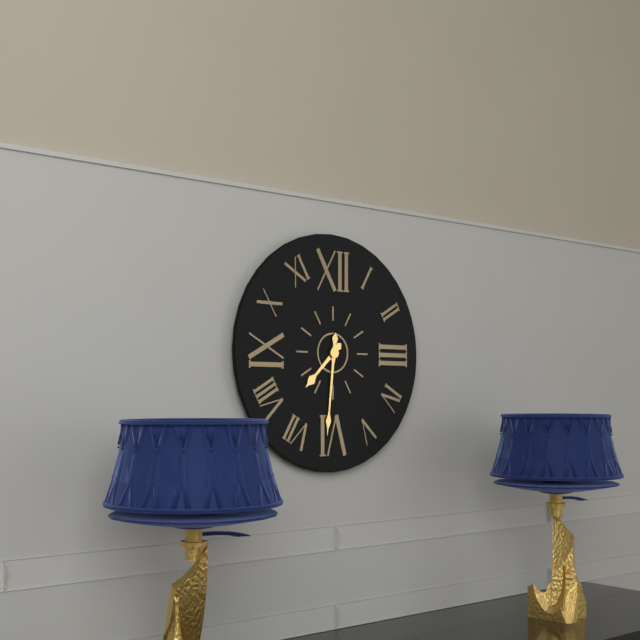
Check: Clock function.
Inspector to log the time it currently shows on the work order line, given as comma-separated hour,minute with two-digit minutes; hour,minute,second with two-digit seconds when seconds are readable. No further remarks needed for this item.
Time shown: 7,31
